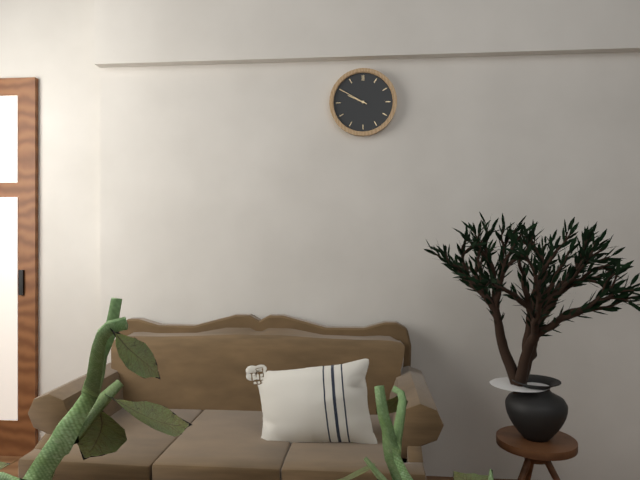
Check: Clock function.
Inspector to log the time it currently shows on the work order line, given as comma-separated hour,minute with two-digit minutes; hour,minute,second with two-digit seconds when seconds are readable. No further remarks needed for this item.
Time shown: 9,50
